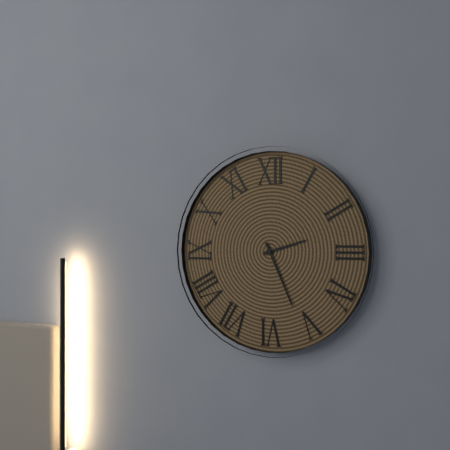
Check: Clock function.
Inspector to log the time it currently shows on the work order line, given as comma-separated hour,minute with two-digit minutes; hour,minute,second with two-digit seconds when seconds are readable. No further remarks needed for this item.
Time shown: 2,26
